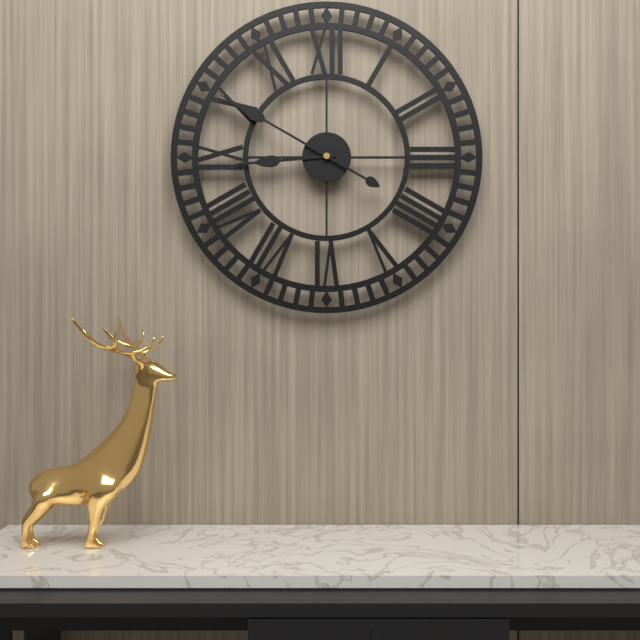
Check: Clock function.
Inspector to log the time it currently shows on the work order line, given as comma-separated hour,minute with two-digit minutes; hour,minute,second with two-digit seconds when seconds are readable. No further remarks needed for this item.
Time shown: 8,50
